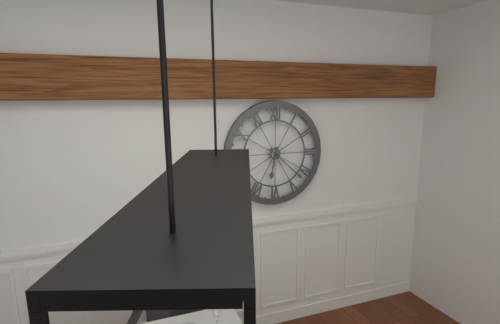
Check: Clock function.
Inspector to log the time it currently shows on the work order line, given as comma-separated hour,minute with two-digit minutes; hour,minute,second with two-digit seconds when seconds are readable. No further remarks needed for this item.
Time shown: 6,22
